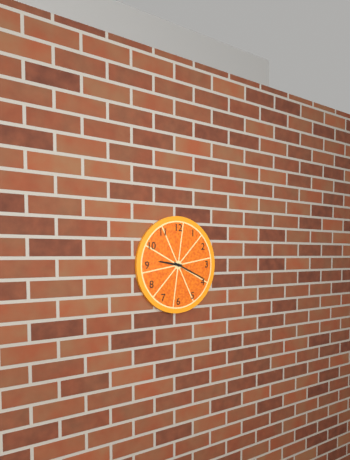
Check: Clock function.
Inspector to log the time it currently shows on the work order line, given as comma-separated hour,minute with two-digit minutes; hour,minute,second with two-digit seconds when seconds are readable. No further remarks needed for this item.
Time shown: 9,19
